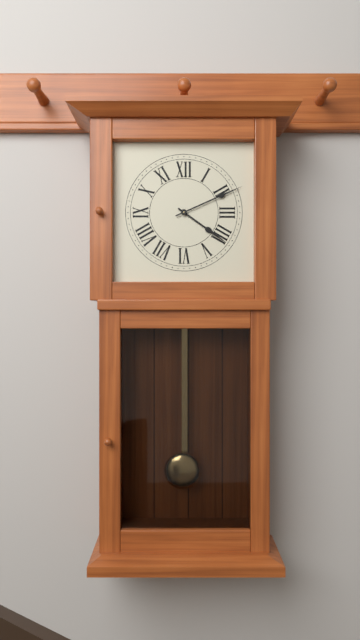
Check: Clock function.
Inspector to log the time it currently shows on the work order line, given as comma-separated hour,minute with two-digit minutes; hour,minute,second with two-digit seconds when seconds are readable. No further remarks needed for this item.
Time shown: 4,11
